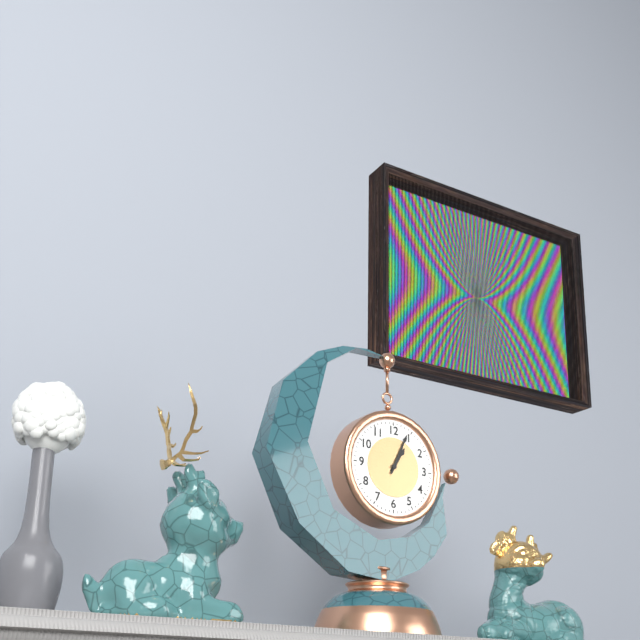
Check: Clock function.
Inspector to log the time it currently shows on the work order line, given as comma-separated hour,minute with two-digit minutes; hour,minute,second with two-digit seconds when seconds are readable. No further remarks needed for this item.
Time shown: 1,04
